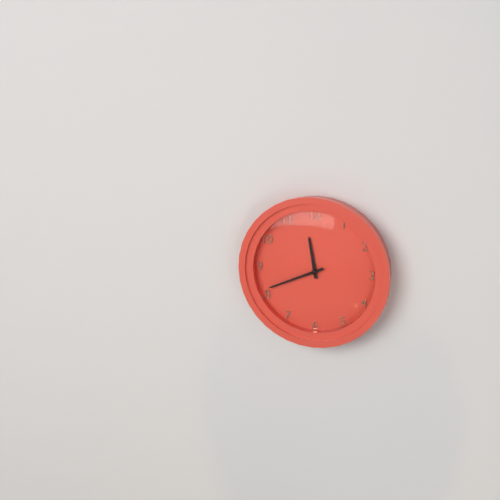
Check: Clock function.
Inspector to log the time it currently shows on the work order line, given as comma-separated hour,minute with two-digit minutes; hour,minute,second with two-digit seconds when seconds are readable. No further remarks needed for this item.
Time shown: 11,41
